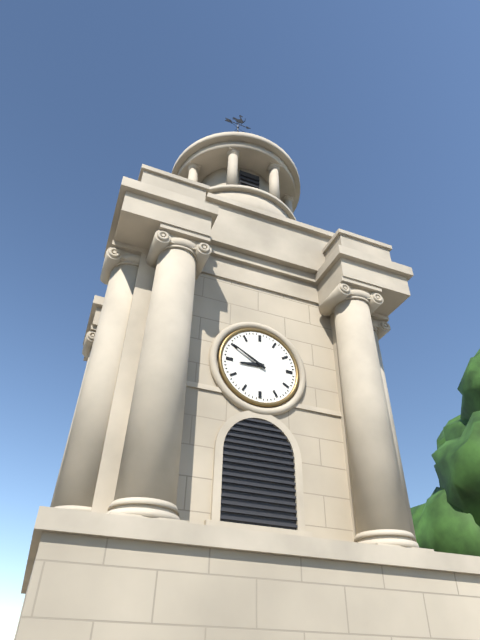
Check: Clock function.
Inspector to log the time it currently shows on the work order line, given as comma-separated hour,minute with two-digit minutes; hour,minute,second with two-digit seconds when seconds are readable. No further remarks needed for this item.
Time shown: 8,50
